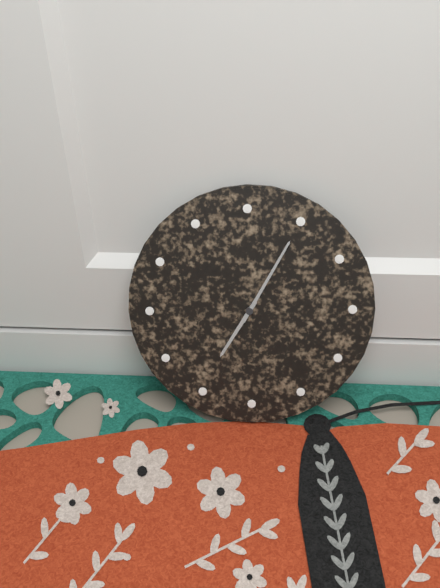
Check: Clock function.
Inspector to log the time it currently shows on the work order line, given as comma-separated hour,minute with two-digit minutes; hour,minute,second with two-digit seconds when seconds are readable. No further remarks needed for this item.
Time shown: 7,05
